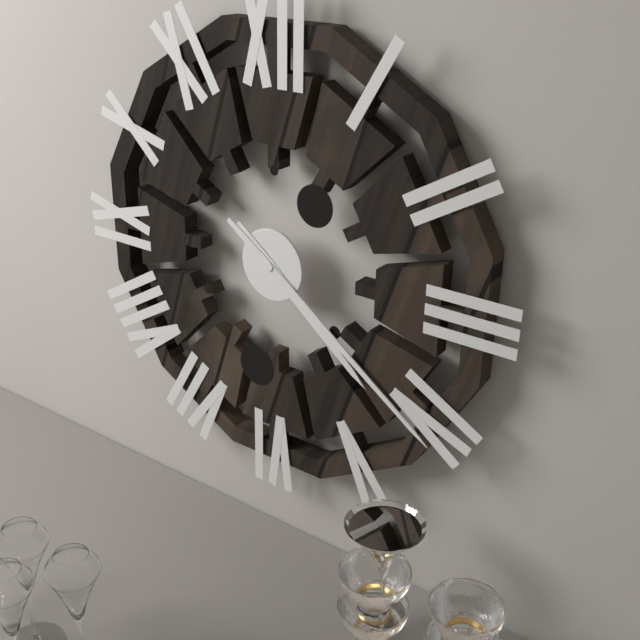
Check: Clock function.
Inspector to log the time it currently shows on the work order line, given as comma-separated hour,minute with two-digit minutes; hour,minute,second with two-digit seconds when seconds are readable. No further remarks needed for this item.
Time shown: 4,21
